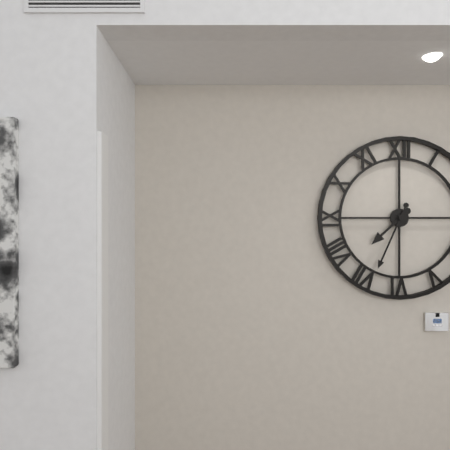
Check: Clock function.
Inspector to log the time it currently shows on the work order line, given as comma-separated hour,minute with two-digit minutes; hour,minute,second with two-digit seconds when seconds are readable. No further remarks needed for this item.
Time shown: 7,34
